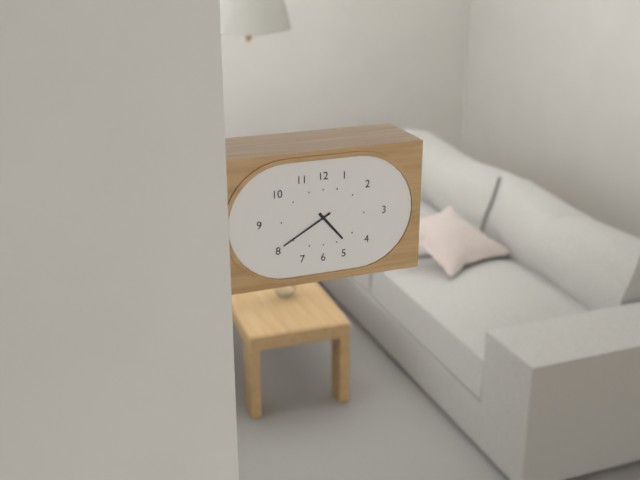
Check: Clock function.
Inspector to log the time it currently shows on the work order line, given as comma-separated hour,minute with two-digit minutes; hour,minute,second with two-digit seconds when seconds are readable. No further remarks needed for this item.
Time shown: 4,40
